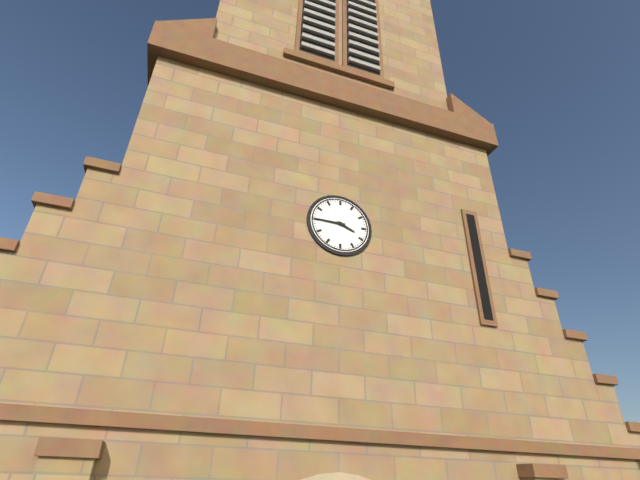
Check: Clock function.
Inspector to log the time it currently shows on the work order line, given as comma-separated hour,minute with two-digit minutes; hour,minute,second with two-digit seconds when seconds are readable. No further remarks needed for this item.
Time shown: 3,45
